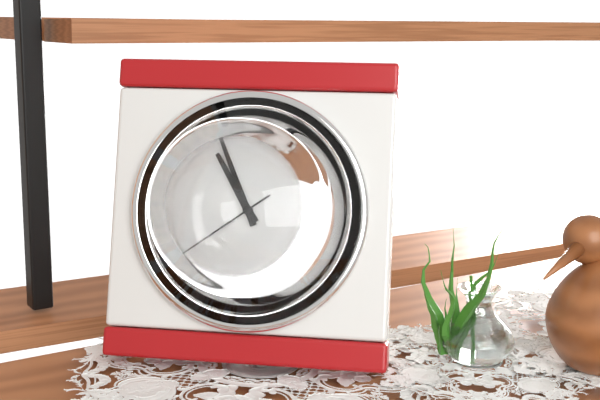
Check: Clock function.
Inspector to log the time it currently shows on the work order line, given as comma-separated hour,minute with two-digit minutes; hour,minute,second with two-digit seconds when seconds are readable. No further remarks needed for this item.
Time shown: 10,56,39
